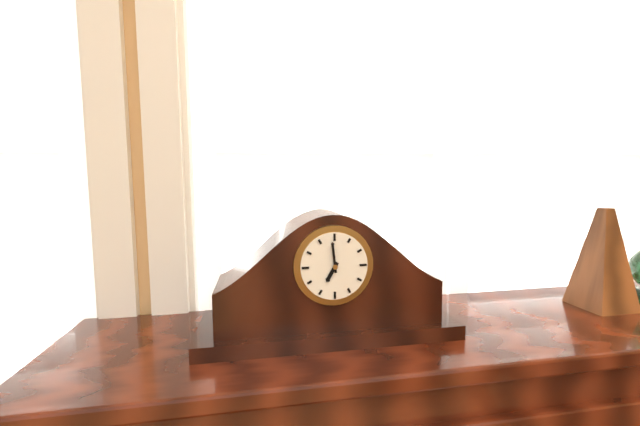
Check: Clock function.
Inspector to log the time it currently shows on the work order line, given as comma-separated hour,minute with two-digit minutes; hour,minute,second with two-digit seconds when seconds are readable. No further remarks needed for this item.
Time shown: 6,59
